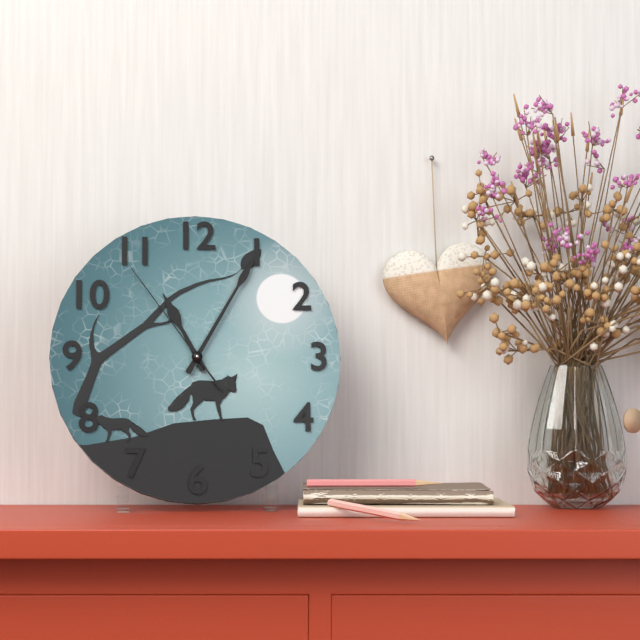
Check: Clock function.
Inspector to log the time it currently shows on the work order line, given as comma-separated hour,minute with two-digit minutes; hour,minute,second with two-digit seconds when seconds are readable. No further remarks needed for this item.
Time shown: 11,05,54
